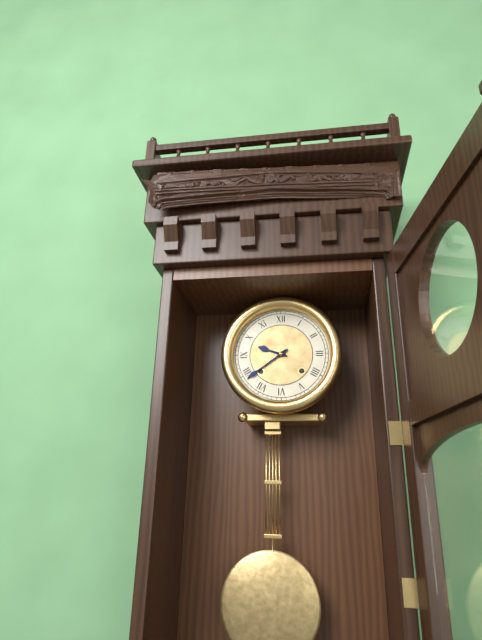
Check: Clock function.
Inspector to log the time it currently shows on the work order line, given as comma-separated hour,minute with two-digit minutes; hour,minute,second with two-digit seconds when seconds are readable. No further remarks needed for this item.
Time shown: 9,39
